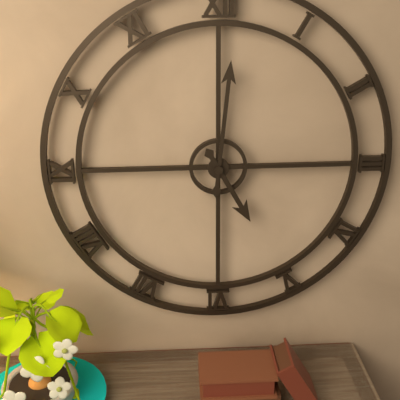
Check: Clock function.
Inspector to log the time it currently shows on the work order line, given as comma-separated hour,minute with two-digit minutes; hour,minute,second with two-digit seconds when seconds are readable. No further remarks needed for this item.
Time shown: 5,01
